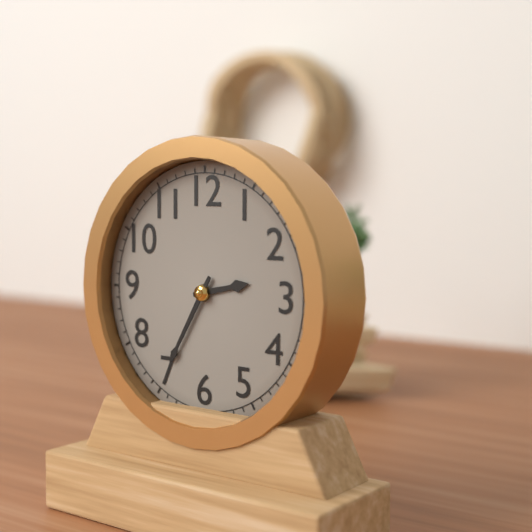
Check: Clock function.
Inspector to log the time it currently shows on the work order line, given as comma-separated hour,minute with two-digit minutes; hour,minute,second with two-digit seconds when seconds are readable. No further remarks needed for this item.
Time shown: 2,35
